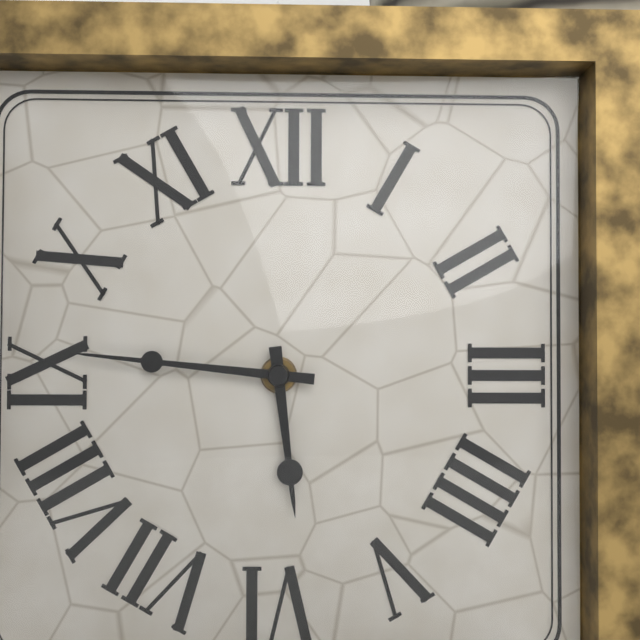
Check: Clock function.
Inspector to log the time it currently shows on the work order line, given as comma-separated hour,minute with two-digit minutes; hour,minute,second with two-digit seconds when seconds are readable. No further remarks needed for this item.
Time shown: 5,46
